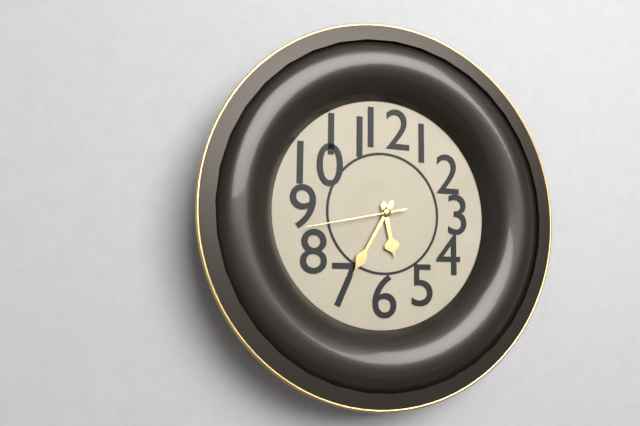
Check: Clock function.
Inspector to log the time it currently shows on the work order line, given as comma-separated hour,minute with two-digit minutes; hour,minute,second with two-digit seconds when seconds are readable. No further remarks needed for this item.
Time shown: 5,35,43
